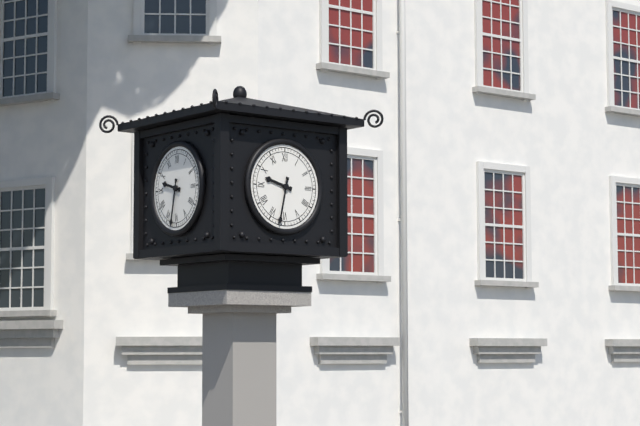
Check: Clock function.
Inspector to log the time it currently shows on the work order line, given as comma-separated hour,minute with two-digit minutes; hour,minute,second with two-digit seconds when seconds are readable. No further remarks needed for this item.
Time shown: 9,32
